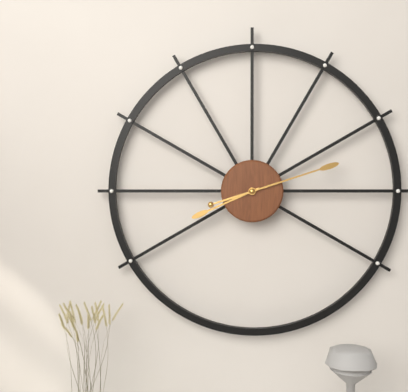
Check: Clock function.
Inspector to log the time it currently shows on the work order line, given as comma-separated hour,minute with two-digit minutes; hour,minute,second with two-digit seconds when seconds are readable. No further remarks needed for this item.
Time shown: 8,12
